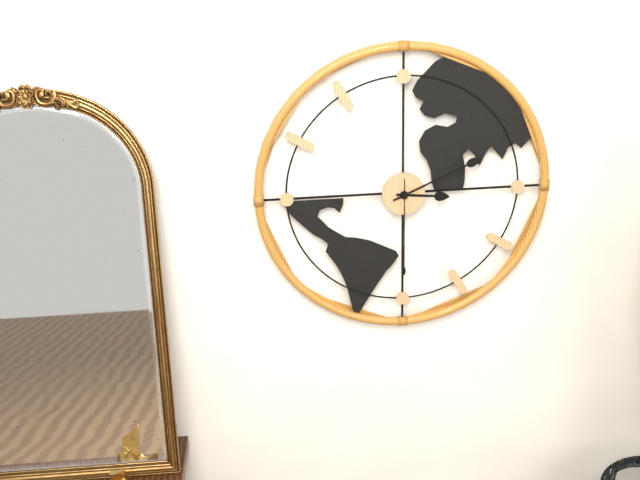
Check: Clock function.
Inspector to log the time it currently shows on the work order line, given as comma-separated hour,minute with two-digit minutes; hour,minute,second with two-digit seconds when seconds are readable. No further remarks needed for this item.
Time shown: 3,11,30
